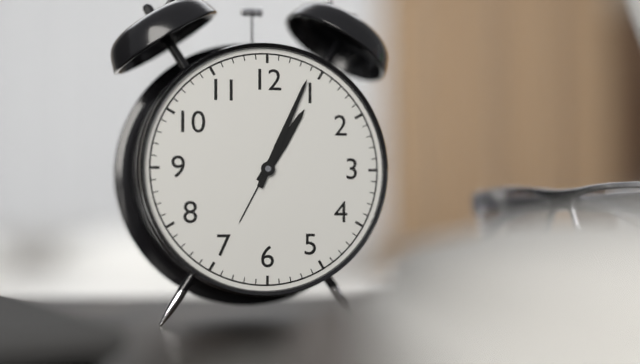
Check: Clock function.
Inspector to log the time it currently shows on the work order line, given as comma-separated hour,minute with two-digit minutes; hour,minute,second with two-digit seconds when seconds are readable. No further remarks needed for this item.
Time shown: 1,04
